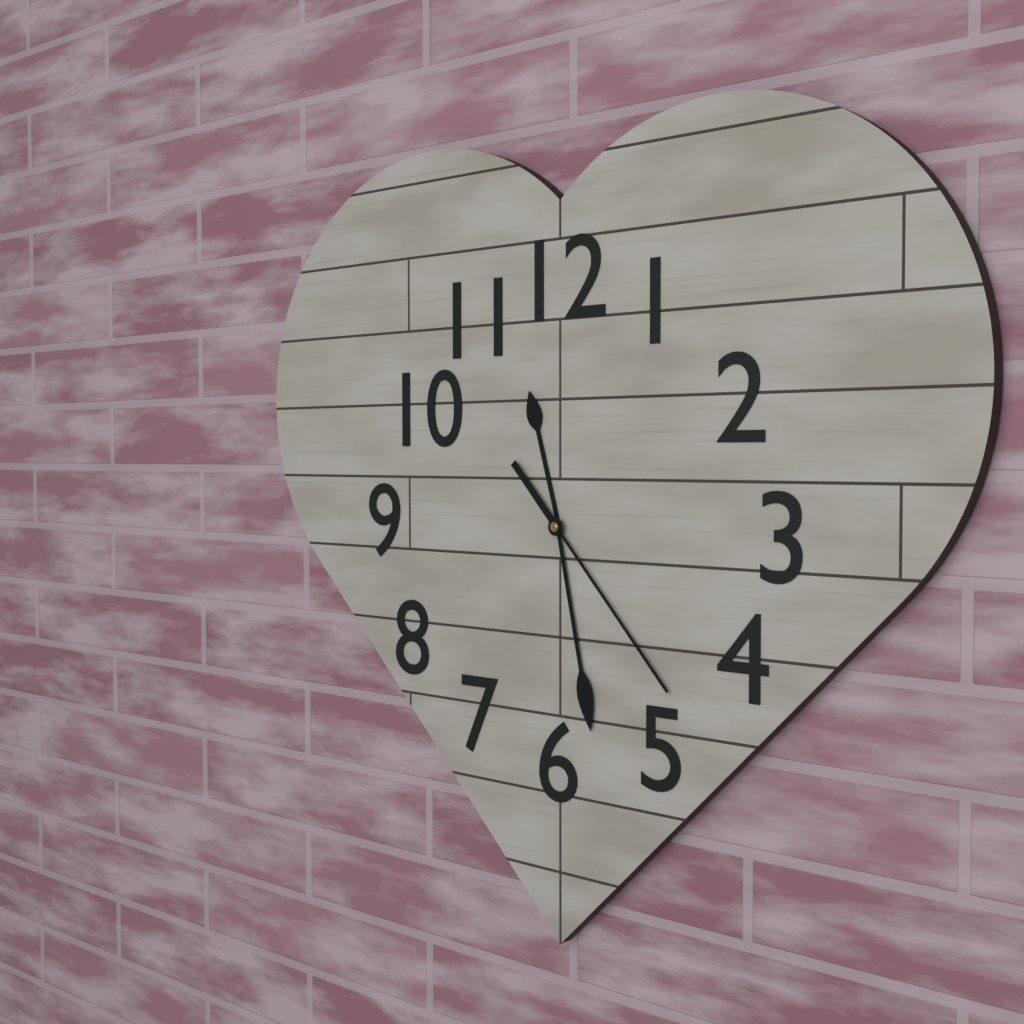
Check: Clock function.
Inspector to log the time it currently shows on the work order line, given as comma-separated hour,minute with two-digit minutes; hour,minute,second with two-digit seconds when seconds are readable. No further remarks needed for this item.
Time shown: 11,28,23
